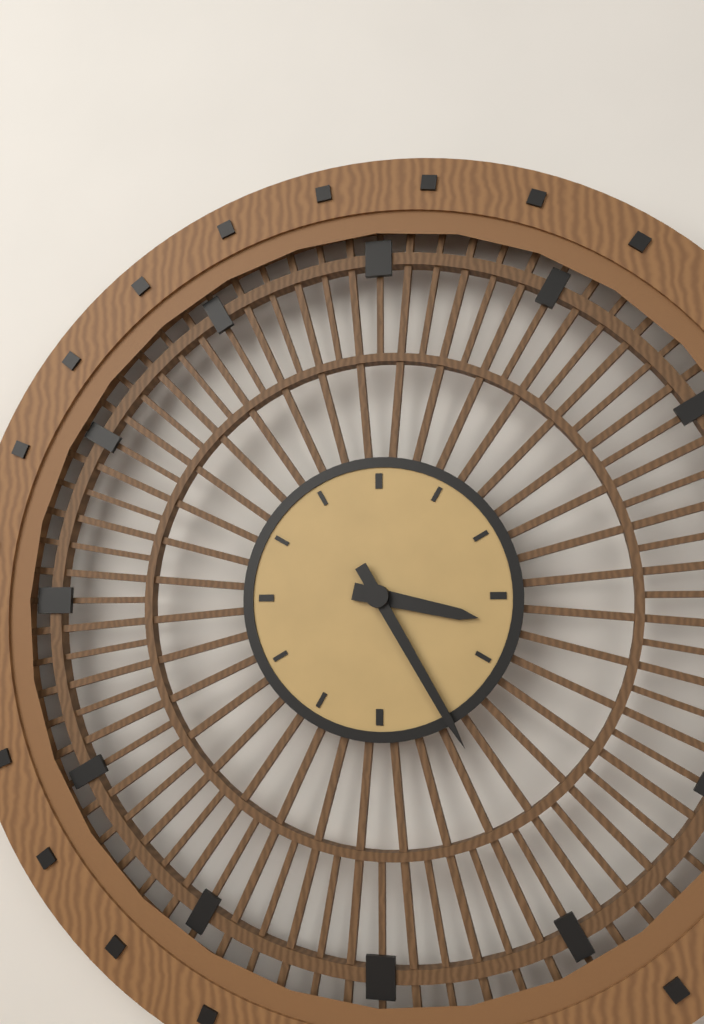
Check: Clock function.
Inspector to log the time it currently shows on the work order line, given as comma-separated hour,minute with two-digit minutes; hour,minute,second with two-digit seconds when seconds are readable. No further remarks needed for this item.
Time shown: 3,25
